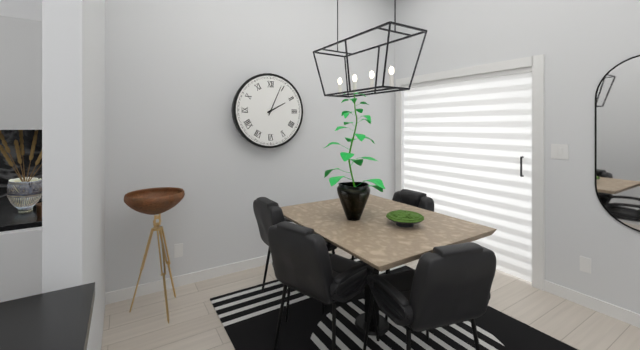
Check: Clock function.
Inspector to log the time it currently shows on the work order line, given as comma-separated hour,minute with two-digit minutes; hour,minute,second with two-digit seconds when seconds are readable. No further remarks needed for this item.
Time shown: 2,04
